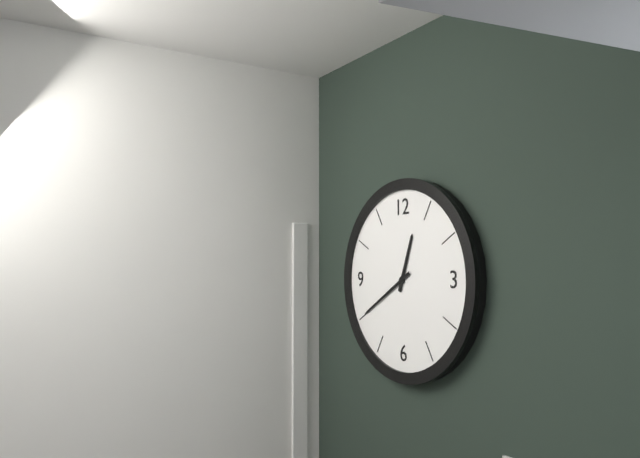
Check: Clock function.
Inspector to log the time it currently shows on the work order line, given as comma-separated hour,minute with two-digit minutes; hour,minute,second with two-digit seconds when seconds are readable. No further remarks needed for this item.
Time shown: 12,40
